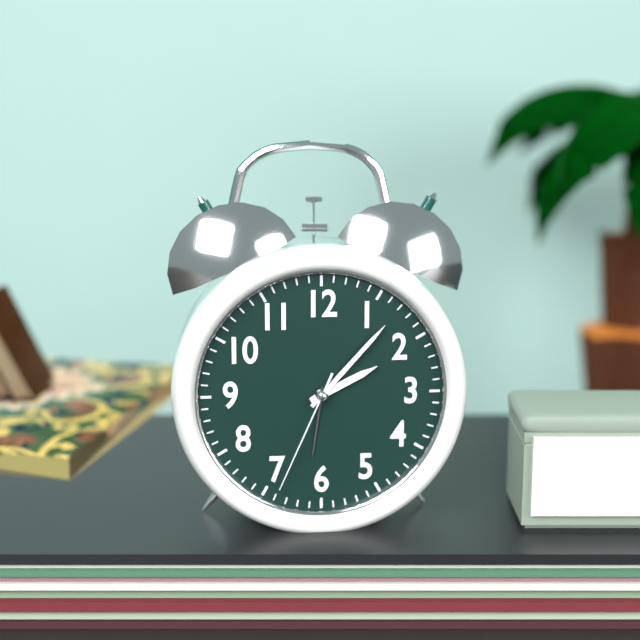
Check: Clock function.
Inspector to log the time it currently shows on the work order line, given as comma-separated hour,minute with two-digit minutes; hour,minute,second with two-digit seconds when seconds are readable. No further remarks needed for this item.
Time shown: 2,07,34
